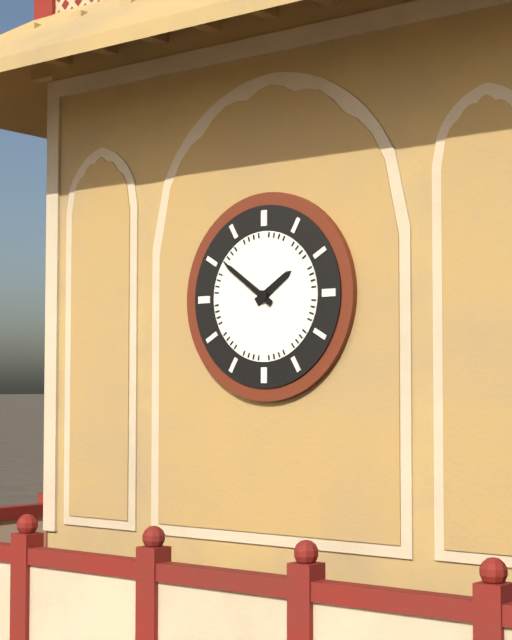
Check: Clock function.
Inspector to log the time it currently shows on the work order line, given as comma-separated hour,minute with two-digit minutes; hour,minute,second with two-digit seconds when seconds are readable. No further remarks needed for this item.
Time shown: 1,51
